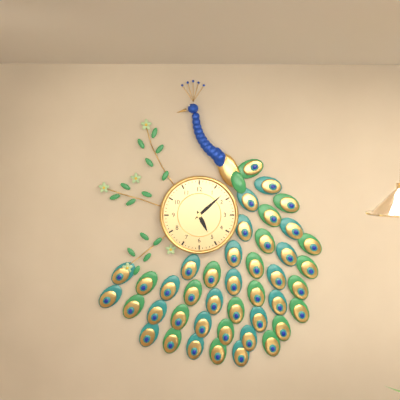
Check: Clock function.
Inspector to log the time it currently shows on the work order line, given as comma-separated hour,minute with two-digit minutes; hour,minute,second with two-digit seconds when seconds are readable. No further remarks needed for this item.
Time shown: 5,08
